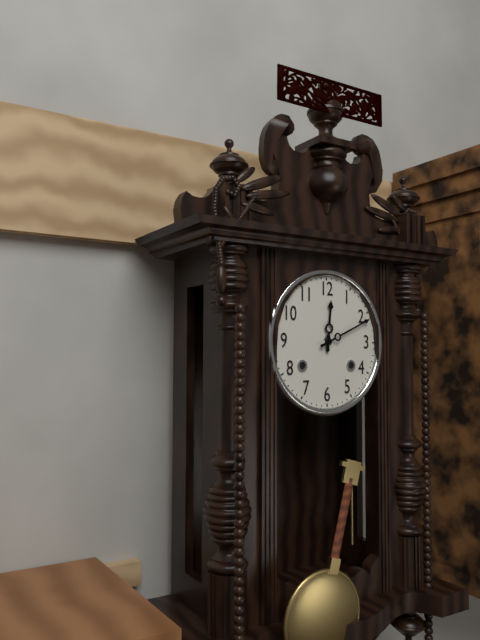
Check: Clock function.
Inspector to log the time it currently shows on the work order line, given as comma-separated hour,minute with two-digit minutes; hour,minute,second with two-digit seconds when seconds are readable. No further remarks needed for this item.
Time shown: 12,11
